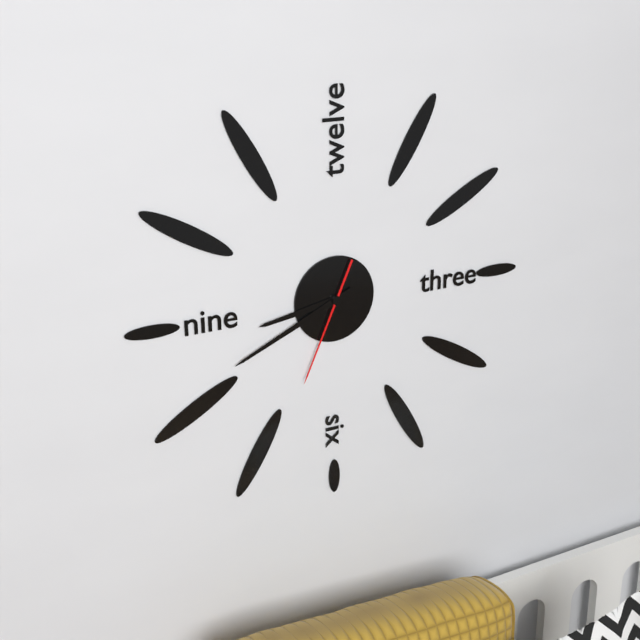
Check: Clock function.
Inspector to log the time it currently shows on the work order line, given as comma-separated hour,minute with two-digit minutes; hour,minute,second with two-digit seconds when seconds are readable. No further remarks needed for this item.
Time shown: 8,41,34
